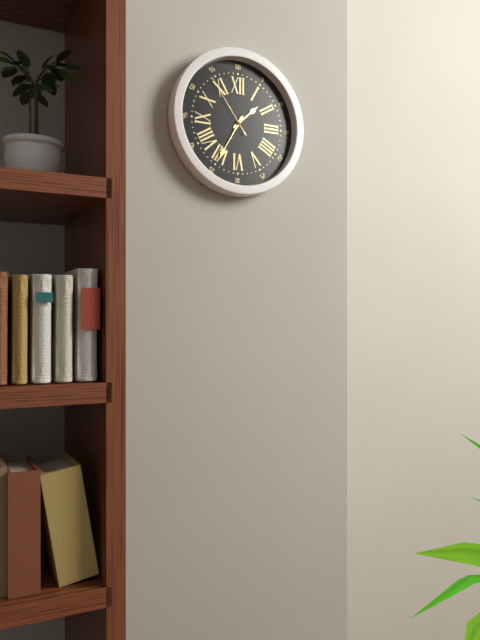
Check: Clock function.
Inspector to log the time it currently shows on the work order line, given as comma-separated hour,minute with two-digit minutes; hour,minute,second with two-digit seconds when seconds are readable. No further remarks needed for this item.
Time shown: 1,35,54
